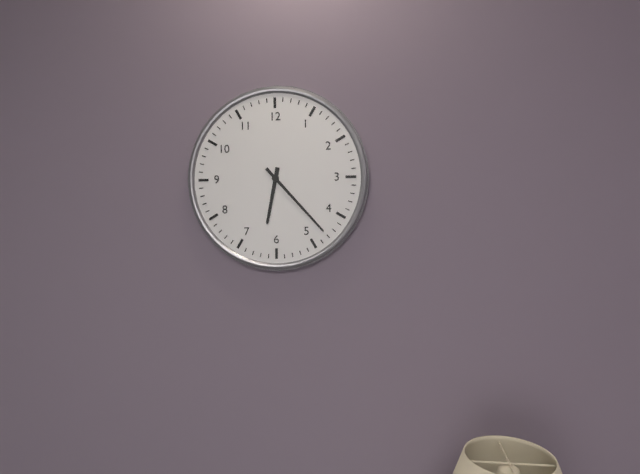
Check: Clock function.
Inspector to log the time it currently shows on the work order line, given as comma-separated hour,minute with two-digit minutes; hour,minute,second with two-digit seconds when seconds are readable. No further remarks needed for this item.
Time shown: 6,23
